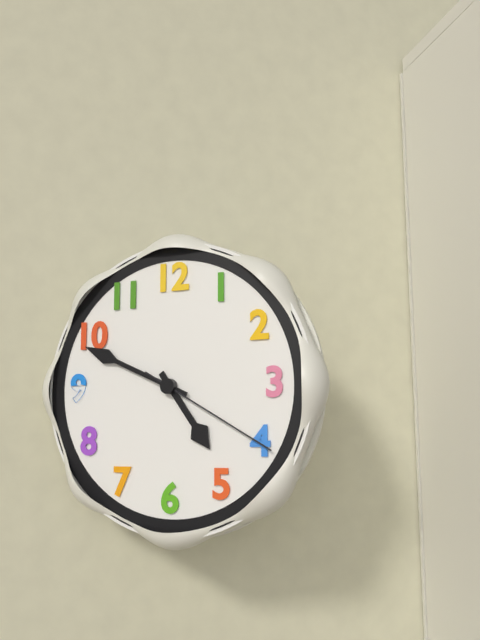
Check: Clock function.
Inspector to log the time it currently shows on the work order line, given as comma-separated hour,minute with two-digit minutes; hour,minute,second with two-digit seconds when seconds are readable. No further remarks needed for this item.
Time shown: 4,49,20
